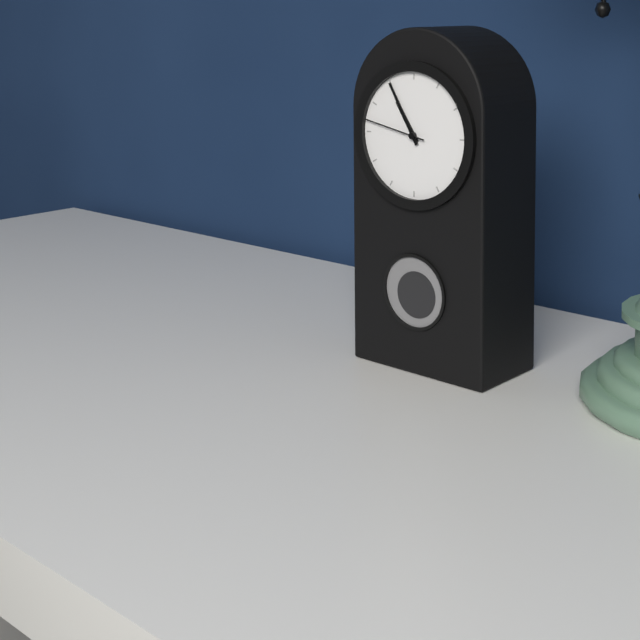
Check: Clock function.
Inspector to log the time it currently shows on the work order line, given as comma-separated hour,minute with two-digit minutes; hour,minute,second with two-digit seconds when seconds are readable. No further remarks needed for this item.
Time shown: 10,55,47
